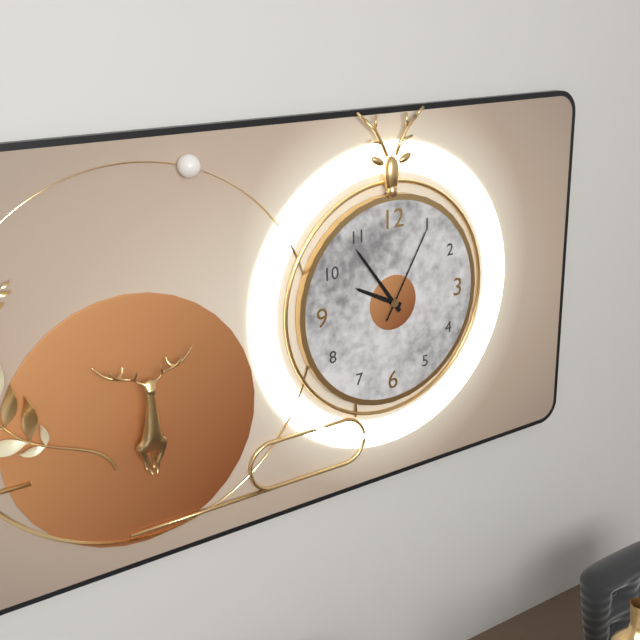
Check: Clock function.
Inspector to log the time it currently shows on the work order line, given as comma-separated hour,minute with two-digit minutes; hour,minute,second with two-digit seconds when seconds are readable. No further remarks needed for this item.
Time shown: 9,54,05
